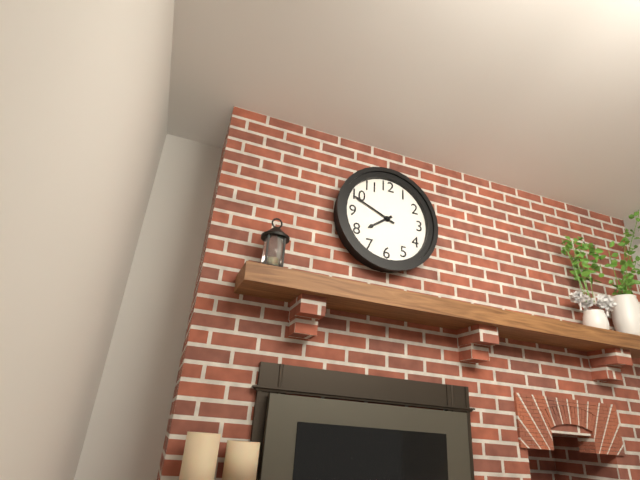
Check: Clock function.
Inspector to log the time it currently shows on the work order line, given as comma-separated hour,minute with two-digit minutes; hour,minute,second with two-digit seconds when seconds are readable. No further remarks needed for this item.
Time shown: 7,49
